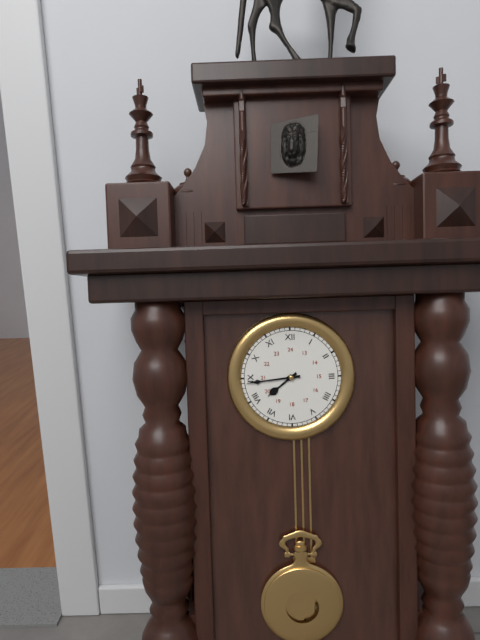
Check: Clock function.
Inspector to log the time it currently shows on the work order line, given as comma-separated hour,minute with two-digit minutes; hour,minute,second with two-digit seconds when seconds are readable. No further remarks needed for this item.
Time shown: 7,44
